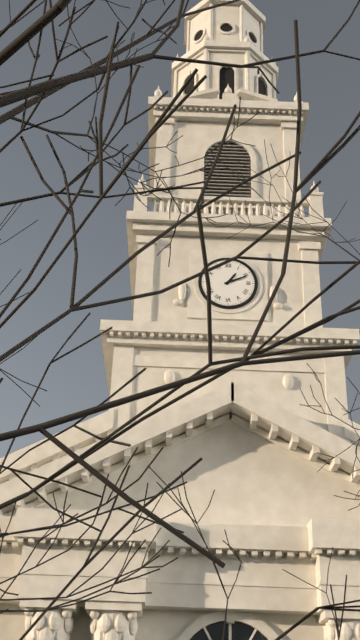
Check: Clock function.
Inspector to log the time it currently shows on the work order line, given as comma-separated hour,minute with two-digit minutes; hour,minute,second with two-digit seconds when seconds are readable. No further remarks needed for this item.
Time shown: 1,11
